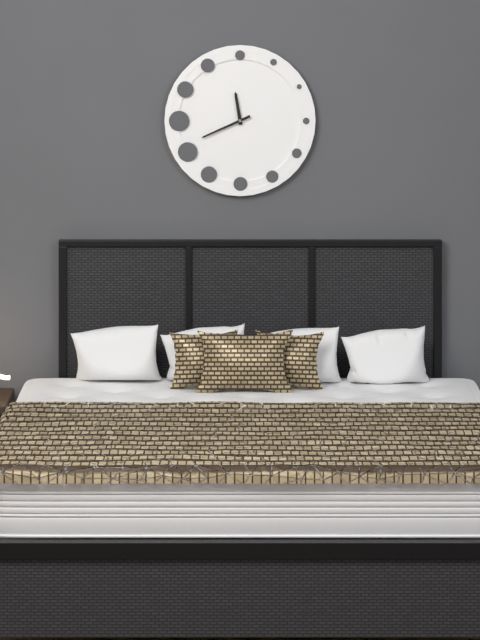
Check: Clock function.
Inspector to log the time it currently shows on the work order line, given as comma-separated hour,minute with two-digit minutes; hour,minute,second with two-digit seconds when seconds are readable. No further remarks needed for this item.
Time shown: 11,41
